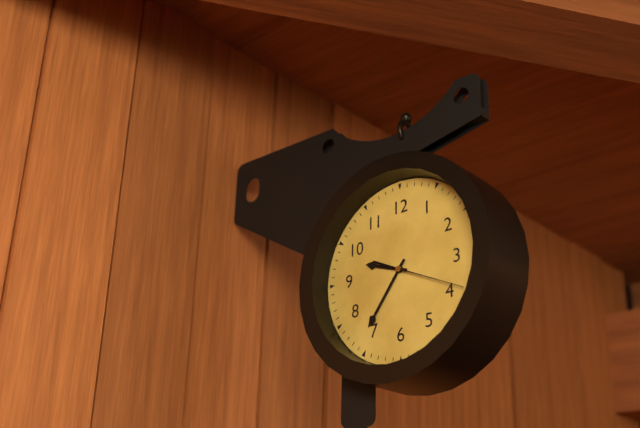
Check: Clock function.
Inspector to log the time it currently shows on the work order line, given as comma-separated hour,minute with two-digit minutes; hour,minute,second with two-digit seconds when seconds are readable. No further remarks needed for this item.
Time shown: 9,36,19
